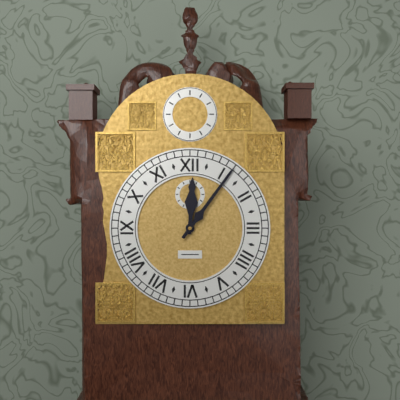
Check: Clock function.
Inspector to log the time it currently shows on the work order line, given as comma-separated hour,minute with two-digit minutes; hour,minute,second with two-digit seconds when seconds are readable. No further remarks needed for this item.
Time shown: 12,06
